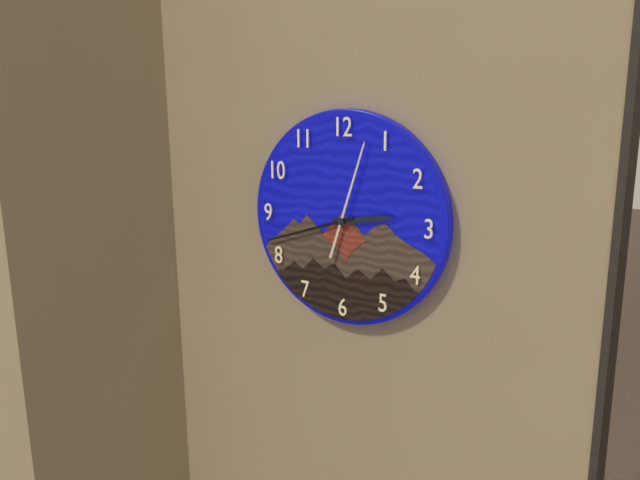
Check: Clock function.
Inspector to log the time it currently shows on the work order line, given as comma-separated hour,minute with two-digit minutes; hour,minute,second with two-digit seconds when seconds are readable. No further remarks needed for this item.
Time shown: 2,42,03
